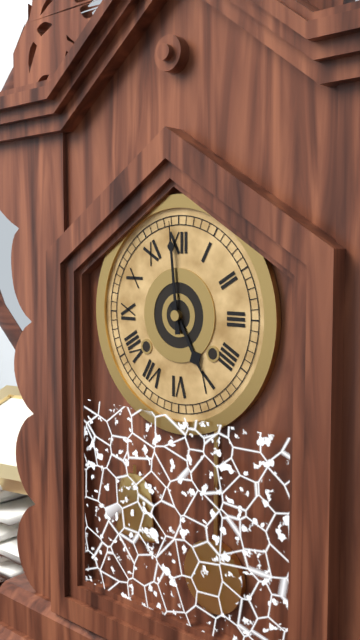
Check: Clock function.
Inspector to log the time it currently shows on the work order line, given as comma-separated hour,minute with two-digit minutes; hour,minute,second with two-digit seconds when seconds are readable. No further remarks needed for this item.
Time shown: 4,59
